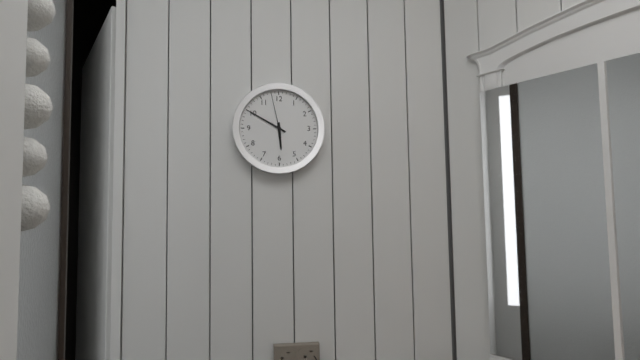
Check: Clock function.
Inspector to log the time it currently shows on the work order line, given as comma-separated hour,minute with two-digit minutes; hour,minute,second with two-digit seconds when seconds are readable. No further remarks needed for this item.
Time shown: 5,50
